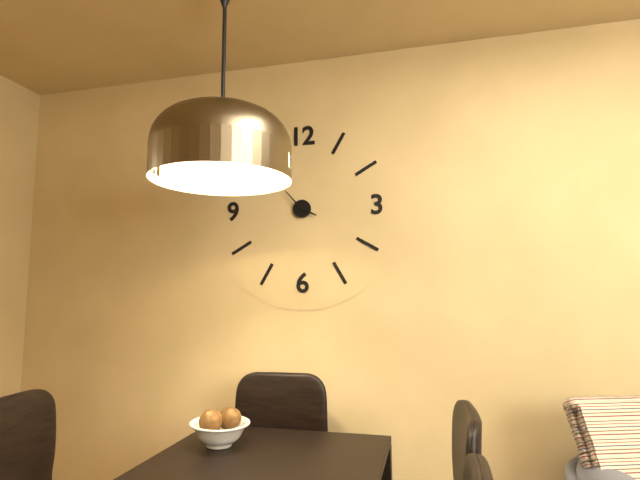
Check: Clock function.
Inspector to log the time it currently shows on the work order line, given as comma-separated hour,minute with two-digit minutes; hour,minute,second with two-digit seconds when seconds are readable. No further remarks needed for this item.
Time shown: 3,53
